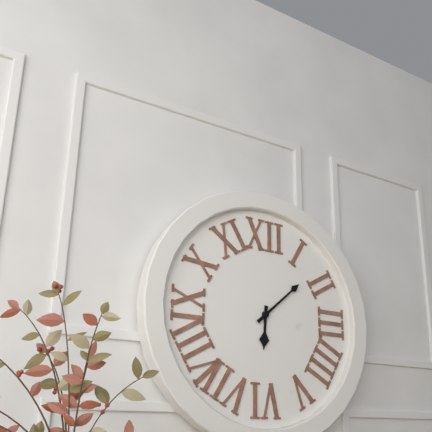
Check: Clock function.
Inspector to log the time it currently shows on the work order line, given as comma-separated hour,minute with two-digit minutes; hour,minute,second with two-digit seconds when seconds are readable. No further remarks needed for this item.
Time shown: 6,08
